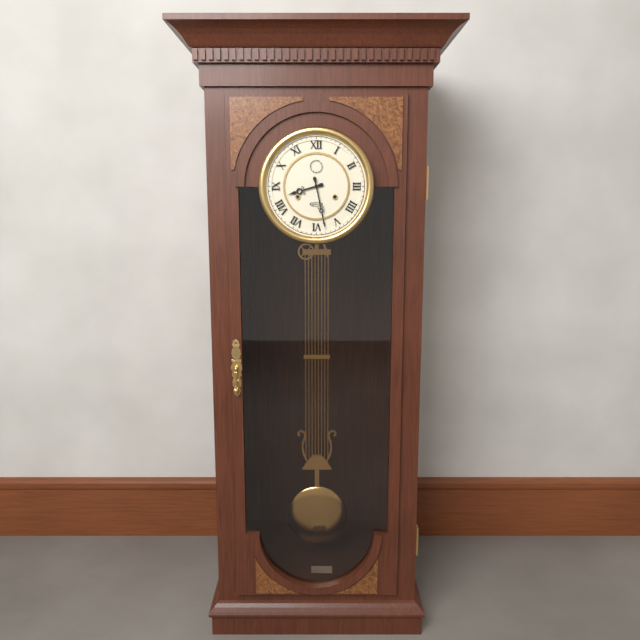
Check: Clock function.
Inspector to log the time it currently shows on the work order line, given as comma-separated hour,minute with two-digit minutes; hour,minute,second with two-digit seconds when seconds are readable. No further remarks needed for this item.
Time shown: 8,28
